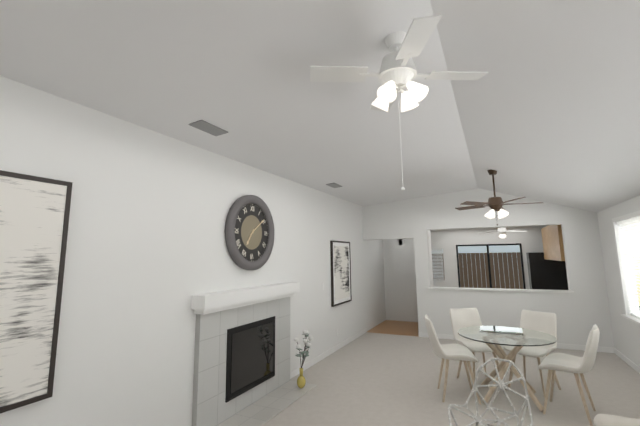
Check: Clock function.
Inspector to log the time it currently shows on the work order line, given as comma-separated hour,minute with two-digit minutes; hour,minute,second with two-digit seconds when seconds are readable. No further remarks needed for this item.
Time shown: 7,09
